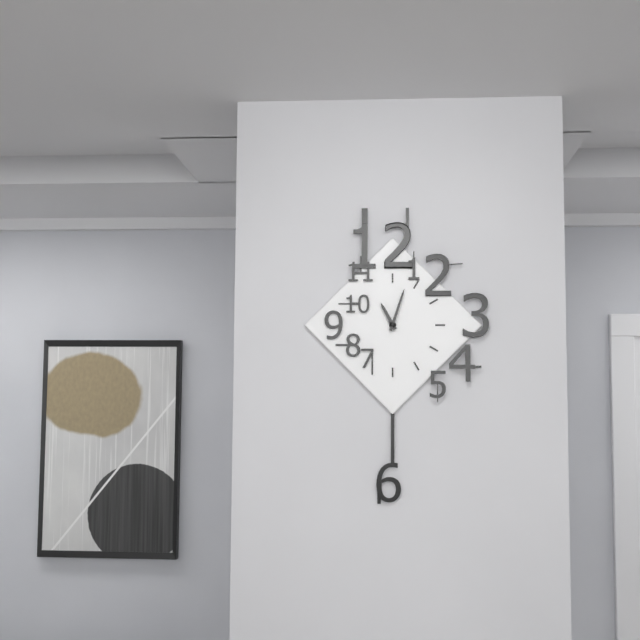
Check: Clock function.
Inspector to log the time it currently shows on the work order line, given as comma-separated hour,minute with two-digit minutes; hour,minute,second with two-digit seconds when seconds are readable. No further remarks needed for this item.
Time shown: 11,03
